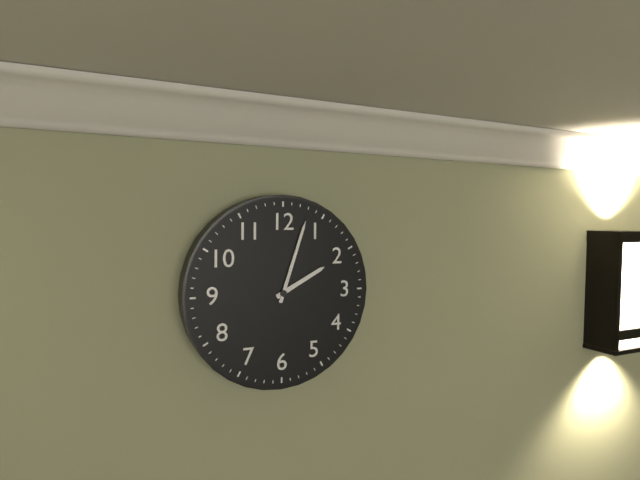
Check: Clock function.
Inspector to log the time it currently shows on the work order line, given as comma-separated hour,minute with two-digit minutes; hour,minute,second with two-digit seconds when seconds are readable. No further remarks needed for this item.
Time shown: 2,03
